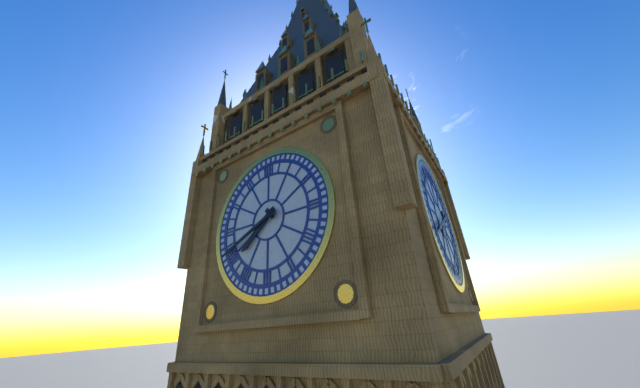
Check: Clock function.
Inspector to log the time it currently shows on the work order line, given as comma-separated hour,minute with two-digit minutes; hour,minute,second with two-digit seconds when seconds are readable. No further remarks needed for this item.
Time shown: 7,41
